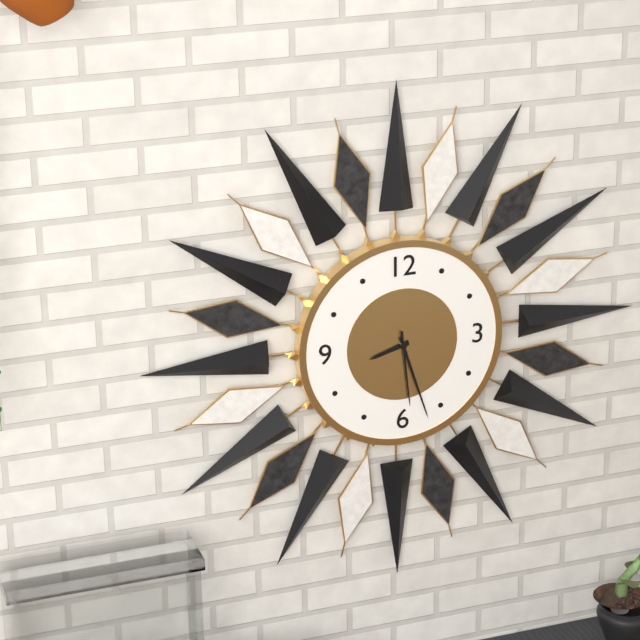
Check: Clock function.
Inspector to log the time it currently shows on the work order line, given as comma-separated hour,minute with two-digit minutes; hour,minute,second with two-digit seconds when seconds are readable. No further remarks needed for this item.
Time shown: 8,27,29
